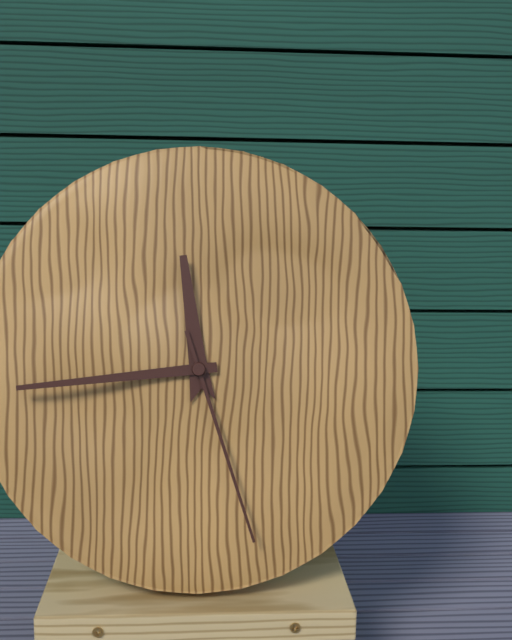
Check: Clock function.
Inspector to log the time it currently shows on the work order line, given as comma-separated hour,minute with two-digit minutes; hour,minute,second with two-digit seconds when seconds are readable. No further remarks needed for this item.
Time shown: 11,44,27
